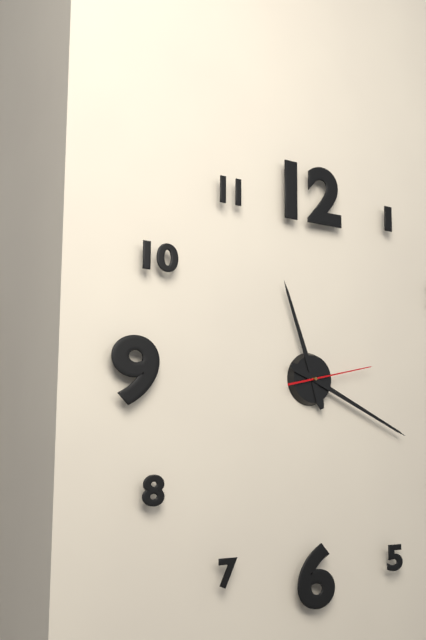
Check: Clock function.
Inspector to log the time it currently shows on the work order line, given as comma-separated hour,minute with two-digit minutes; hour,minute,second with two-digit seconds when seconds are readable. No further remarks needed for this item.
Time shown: 11,19,13
